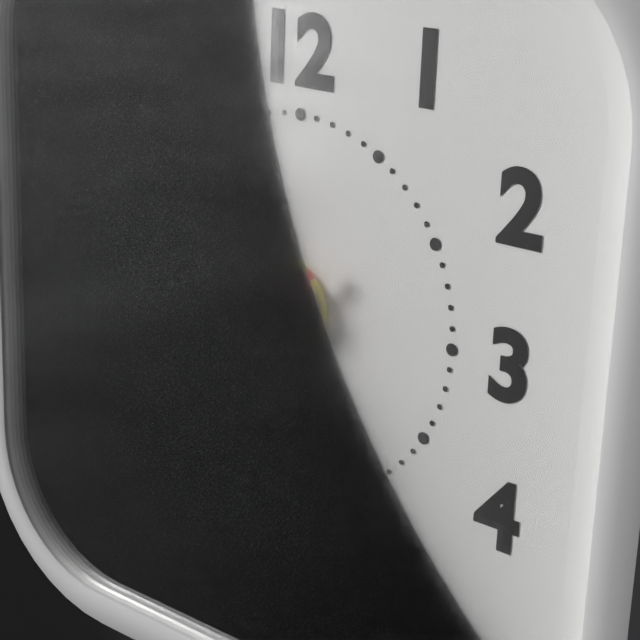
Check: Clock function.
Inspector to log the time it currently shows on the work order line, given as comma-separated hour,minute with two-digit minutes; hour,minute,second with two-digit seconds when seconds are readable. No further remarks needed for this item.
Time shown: 7,38,37
